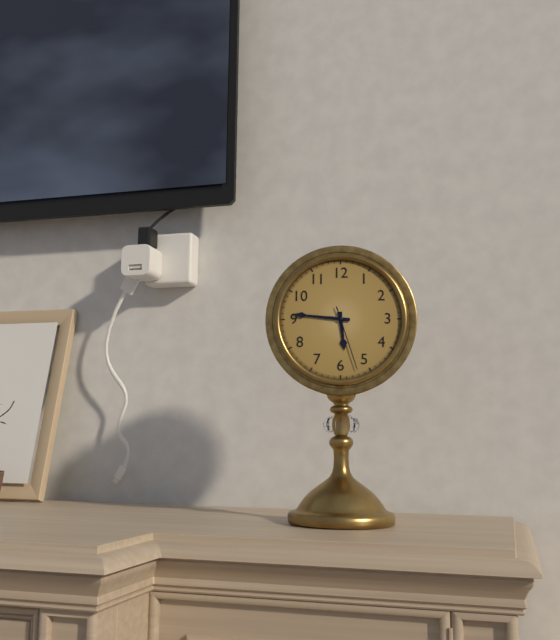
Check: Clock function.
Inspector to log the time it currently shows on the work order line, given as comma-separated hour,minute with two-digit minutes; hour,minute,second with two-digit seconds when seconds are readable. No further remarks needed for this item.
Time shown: 5,46,27
